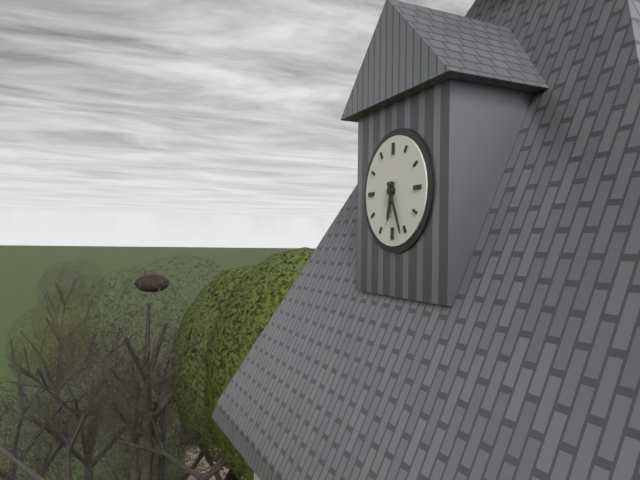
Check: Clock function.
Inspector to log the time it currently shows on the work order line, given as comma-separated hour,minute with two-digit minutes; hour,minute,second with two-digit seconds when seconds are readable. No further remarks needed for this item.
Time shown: 6,26
